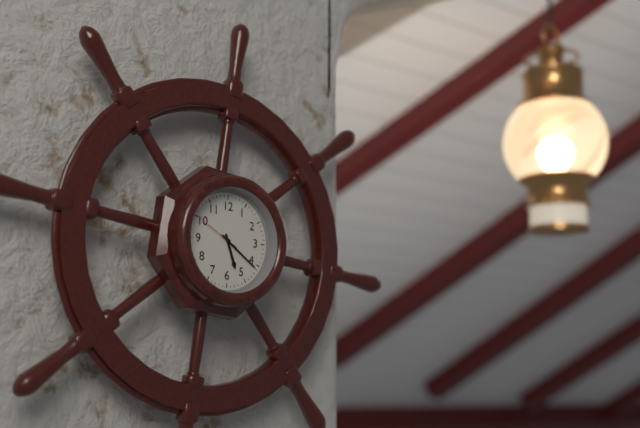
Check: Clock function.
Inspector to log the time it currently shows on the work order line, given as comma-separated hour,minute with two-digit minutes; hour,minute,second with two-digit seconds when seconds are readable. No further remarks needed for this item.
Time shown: 5,21,50
